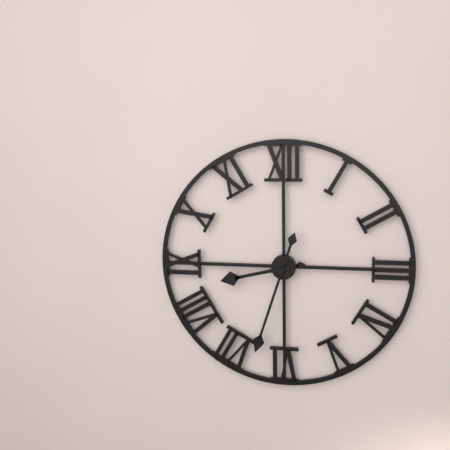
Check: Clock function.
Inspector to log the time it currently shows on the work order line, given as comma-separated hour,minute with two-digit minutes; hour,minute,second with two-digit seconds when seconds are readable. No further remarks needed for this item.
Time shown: 8,33
